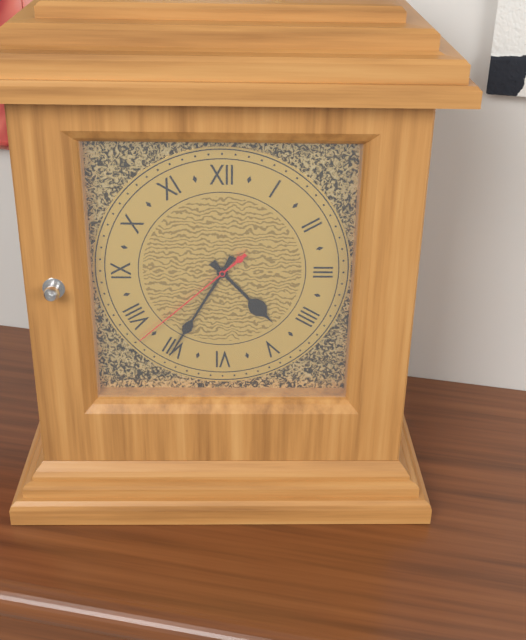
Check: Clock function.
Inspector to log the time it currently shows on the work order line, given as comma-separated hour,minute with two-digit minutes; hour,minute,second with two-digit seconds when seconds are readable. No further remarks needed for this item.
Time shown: 4,35,38
